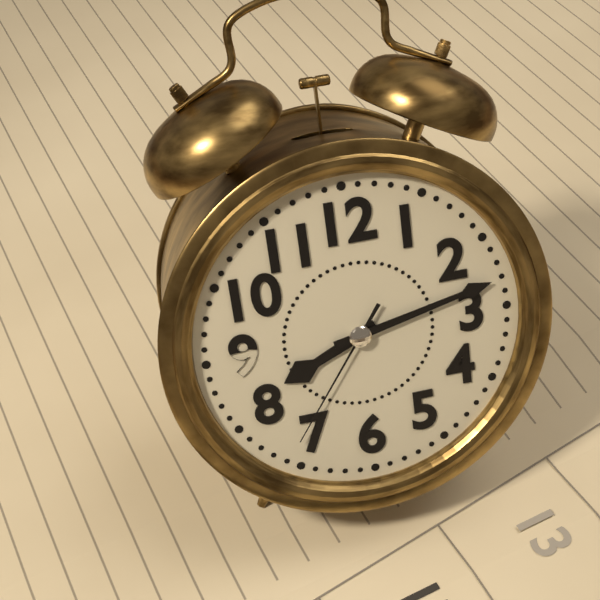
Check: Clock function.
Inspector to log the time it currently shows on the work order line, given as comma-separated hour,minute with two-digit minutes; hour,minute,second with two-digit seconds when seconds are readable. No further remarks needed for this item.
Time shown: 8,13,36
